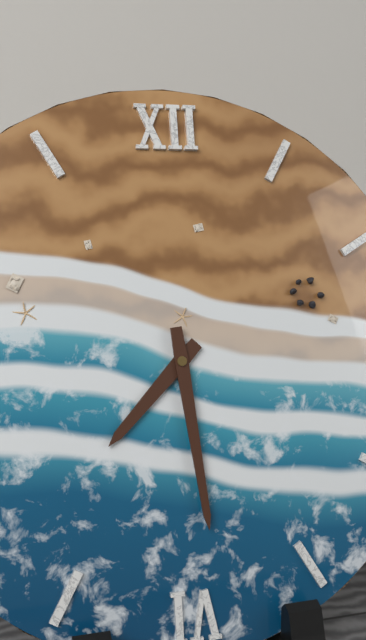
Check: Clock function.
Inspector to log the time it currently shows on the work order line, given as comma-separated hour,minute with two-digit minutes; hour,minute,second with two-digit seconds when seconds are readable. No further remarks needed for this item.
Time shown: 7,29
